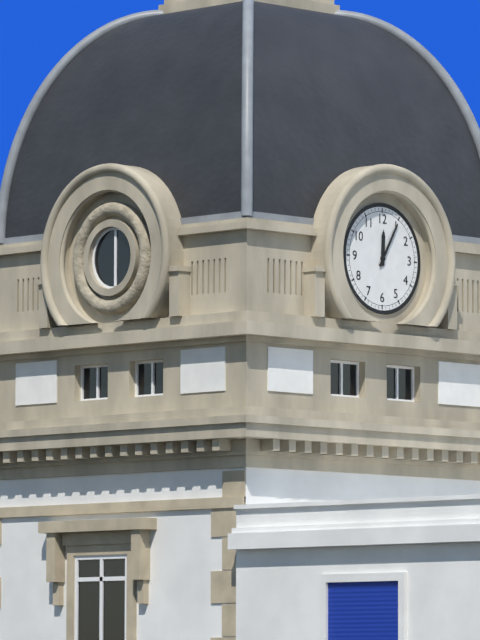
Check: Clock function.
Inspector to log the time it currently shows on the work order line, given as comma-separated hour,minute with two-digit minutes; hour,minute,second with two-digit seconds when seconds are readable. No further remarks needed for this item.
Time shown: 12,05
